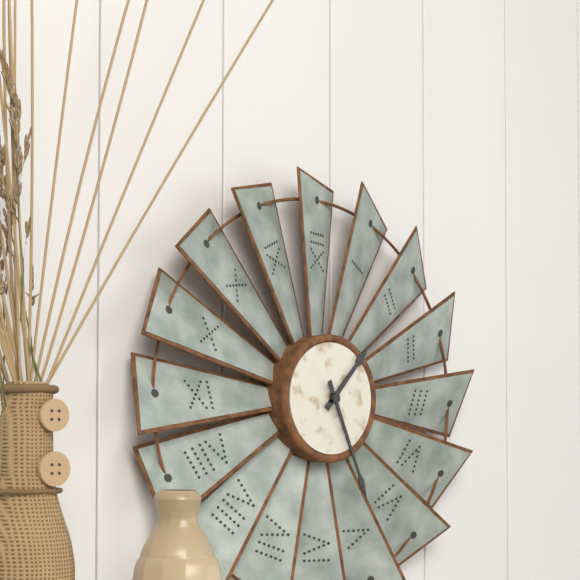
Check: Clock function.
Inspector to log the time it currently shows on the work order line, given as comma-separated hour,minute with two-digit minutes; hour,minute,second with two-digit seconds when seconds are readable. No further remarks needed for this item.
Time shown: 1,26
